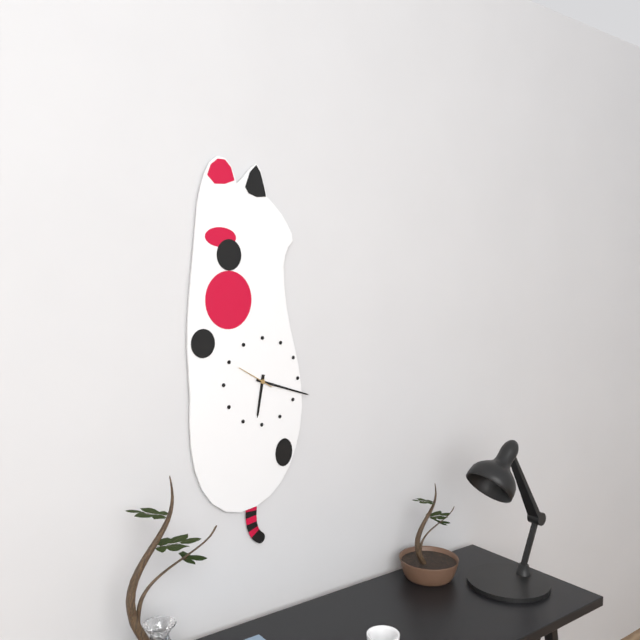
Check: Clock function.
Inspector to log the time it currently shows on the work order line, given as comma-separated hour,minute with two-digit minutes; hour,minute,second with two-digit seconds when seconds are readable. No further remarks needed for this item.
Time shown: 6,18
